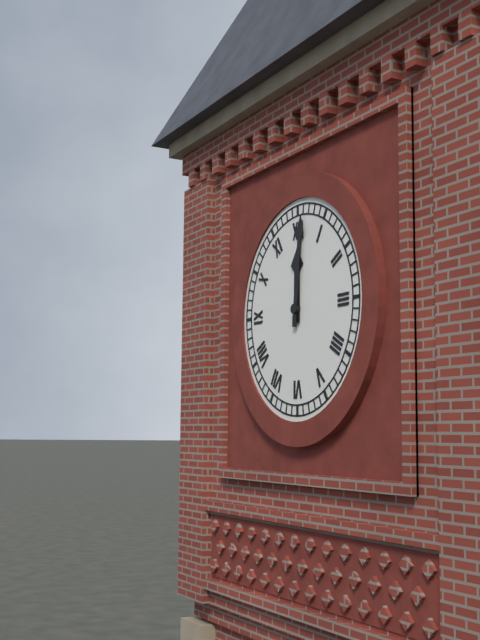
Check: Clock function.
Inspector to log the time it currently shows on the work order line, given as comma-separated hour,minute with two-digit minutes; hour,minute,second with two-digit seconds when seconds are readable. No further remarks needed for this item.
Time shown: 12,01
